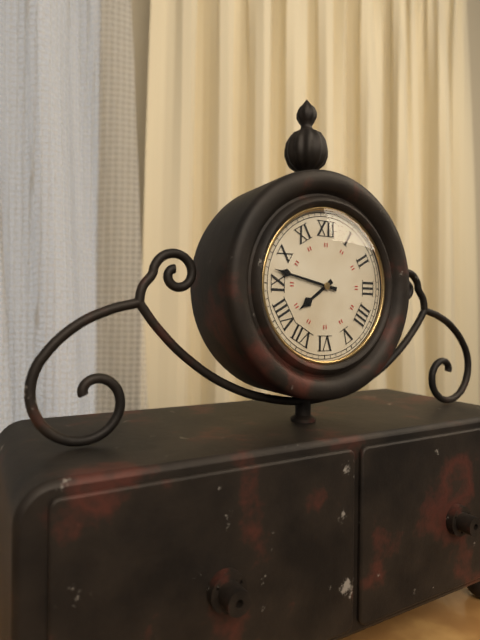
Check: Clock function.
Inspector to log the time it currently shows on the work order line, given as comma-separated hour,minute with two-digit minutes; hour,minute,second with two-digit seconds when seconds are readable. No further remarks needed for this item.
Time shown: 7,47
